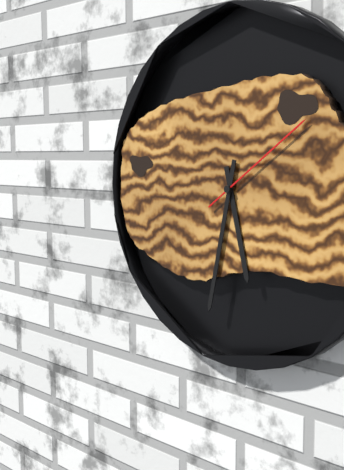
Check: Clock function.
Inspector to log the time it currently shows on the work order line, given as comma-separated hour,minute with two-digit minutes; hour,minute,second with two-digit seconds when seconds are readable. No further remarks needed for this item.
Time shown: 5,32,09
